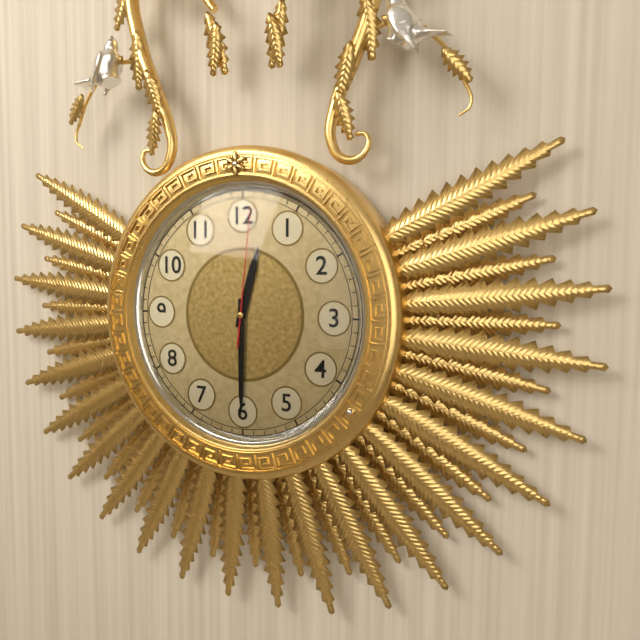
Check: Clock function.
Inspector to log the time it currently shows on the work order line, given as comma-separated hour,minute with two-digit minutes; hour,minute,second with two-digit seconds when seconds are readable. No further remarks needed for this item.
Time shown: 12,30,01
